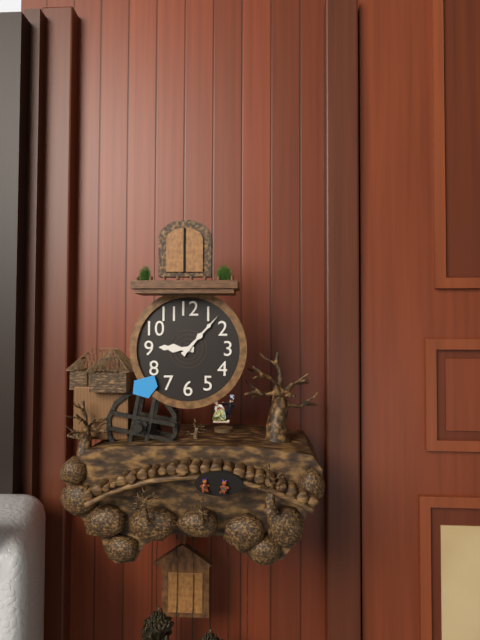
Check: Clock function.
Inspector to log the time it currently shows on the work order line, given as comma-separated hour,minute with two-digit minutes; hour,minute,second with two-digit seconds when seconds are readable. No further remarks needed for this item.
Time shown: 9,07
